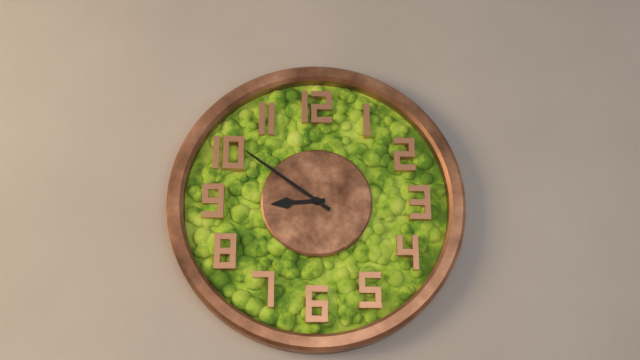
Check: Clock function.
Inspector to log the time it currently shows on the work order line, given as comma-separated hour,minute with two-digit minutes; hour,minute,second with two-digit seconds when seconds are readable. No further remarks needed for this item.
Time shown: 8,51
